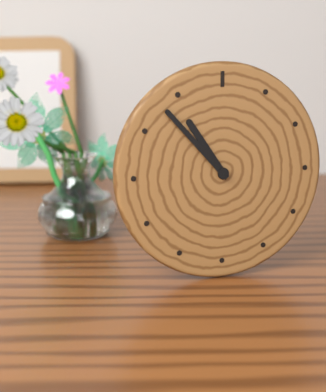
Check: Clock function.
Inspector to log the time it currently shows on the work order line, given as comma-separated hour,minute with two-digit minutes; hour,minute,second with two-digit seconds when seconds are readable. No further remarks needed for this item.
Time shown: 10,53
